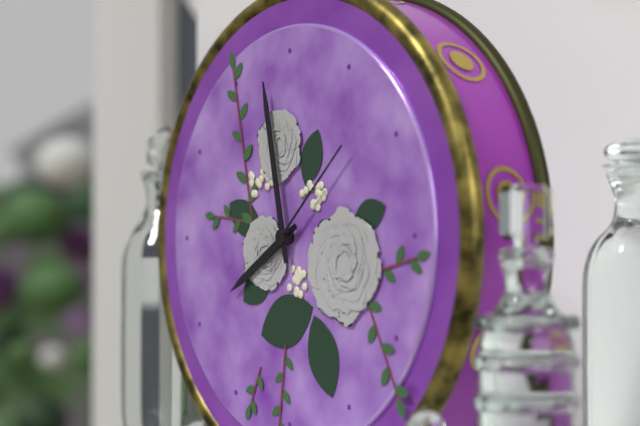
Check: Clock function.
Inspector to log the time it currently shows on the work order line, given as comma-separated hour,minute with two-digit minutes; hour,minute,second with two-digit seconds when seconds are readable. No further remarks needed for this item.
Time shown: 7,58,08
